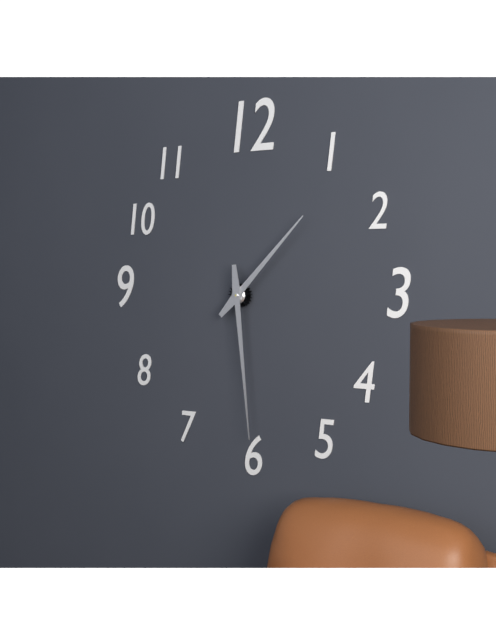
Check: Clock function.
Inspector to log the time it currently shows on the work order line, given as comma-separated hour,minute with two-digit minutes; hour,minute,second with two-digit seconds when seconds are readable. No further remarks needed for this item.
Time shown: 1,29
